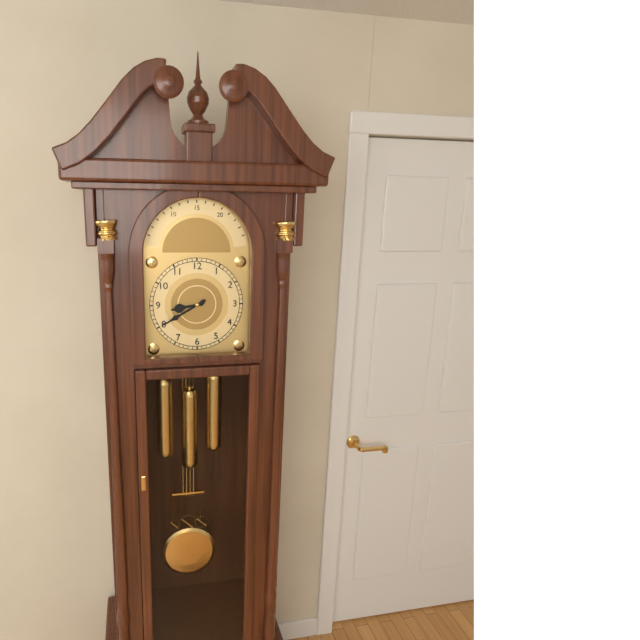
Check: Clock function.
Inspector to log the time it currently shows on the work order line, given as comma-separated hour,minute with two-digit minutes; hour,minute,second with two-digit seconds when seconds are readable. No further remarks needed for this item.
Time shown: 8,40
